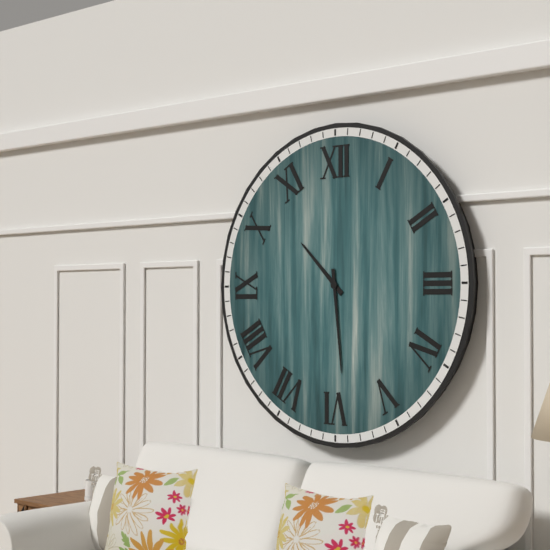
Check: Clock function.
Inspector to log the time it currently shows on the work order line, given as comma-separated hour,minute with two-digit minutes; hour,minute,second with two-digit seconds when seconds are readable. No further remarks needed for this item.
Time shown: 10,29
